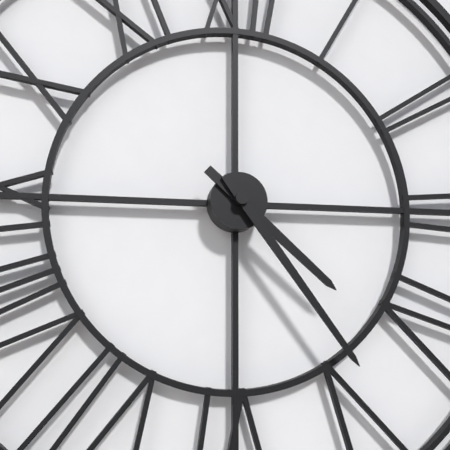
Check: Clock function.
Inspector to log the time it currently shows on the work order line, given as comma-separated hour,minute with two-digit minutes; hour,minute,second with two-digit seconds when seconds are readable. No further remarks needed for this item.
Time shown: 4,24
